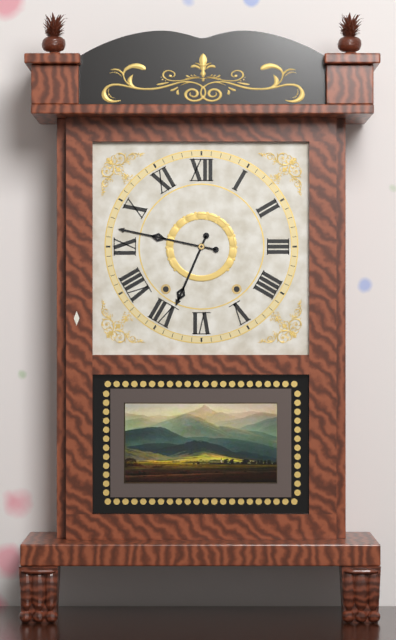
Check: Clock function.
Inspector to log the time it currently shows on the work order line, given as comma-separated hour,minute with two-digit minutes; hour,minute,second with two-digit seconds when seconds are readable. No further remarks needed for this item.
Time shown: 6,47
